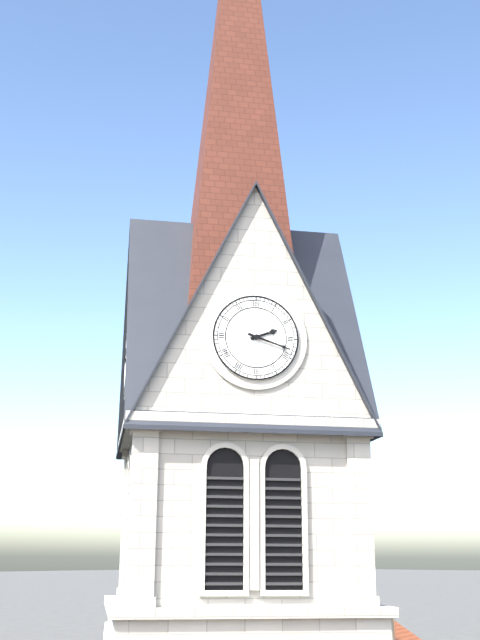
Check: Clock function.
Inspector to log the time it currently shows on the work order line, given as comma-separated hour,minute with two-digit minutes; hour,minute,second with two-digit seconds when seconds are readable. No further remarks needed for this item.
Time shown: 2,18
